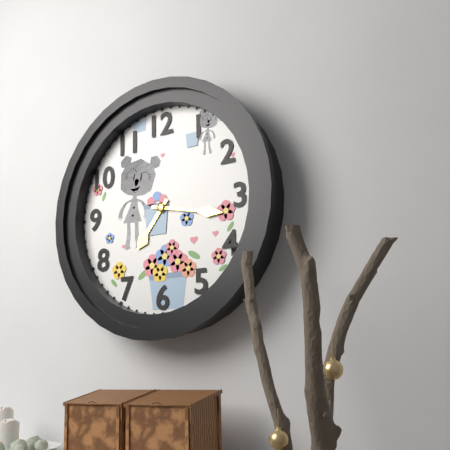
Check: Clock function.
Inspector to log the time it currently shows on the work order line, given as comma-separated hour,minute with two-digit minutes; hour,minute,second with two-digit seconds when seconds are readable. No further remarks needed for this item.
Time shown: 7,17
